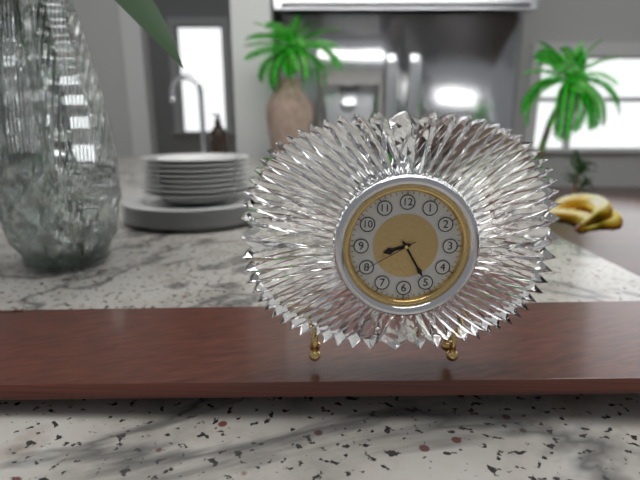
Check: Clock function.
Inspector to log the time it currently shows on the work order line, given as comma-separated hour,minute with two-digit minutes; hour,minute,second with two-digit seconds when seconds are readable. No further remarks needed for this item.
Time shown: 8,25,40
